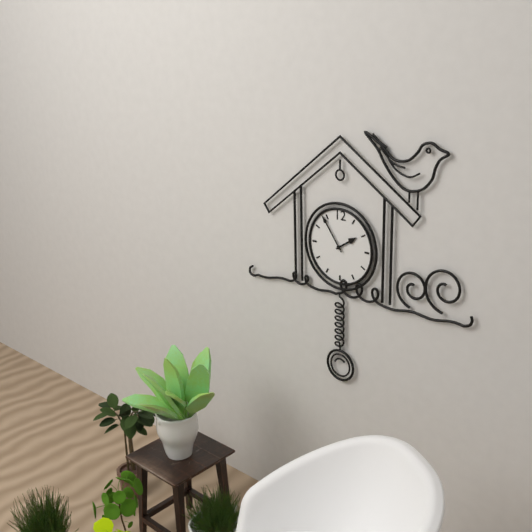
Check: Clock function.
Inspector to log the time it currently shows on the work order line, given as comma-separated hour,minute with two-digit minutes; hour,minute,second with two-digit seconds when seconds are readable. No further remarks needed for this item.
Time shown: 1,54
